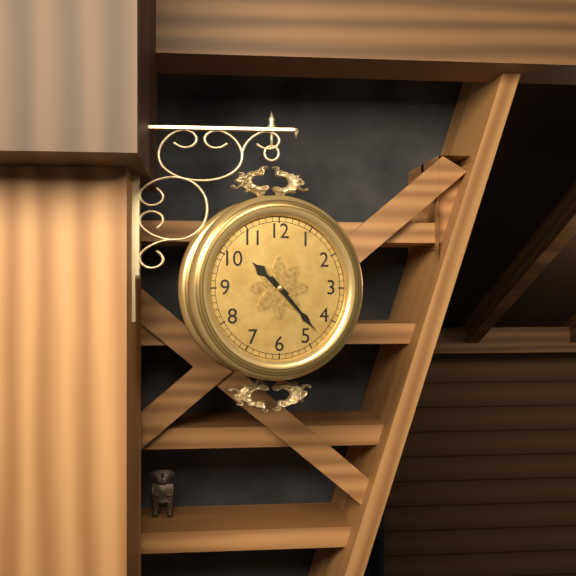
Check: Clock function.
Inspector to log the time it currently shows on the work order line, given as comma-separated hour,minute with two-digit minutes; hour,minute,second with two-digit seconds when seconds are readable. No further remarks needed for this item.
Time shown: 10,23
